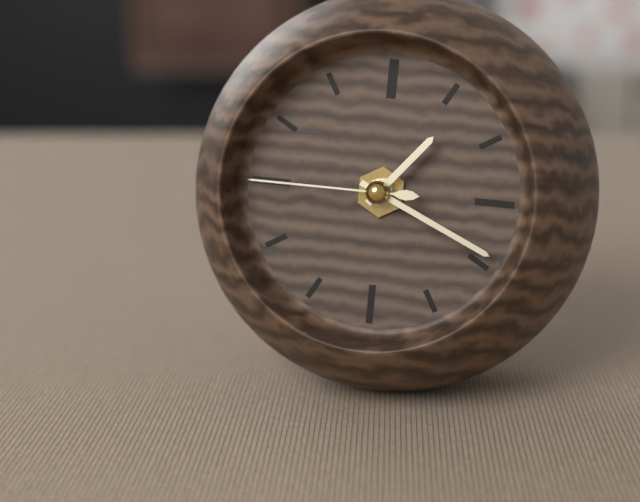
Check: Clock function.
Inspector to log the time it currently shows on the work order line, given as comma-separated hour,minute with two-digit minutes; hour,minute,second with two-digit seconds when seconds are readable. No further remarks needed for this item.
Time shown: 1,19,45
